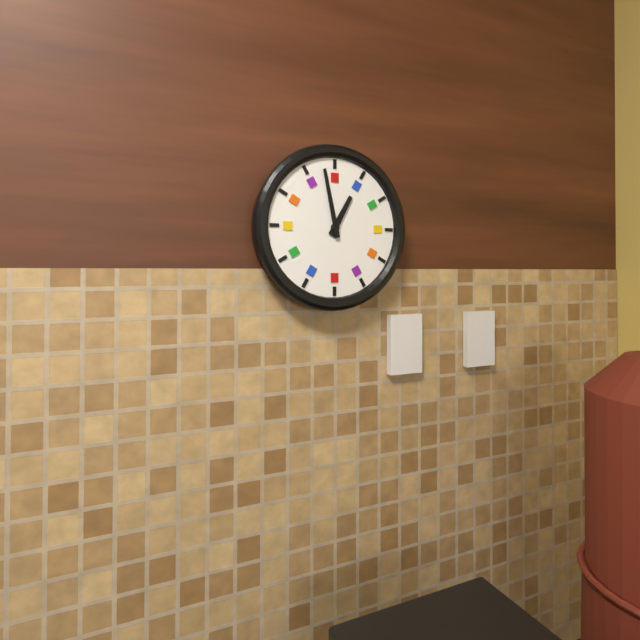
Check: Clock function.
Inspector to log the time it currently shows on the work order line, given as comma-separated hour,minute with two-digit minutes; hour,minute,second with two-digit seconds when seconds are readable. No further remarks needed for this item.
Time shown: 12,58
